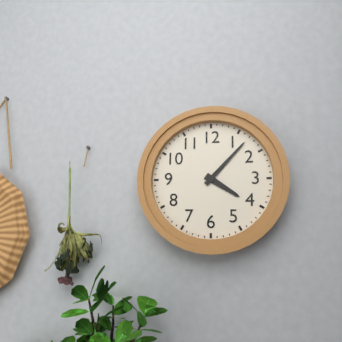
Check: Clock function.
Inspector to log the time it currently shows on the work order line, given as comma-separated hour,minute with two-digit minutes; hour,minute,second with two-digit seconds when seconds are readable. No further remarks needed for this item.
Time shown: 4,07
